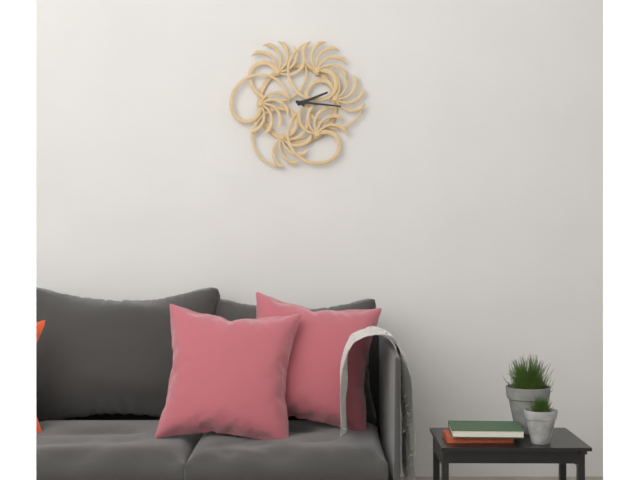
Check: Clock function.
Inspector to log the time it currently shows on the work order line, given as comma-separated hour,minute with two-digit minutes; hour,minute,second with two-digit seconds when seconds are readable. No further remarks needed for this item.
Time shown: 2,16
